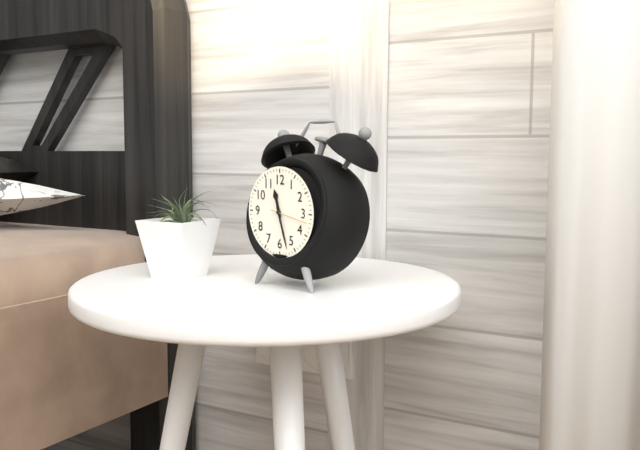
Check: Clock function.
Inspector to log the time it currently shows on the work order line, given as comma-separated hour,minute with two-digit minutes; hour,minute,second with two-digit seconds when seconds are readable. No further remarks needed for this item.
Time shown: 11,27
